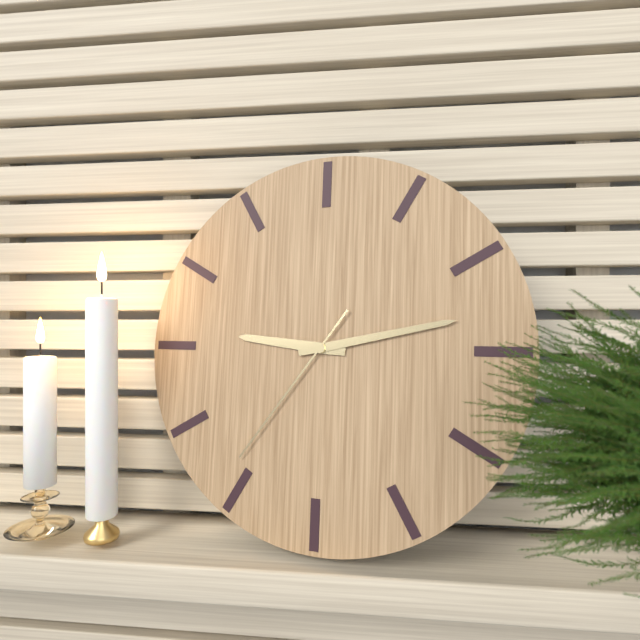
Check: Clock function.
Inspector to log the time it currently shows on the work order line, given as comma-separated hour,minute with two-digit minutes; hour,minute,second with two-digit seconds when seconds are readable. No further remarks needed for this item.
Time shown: 9,13,36
